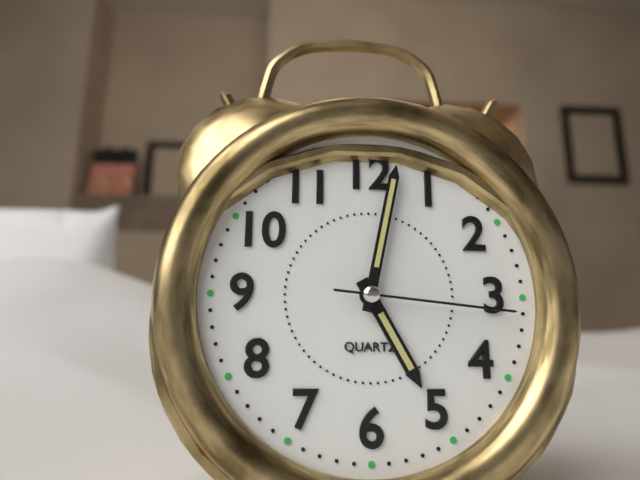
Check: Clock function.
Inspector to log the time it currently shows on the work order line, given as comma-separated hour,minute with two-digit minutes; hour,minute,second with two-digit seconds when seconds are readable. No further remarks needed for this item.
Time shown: 5,02,16
